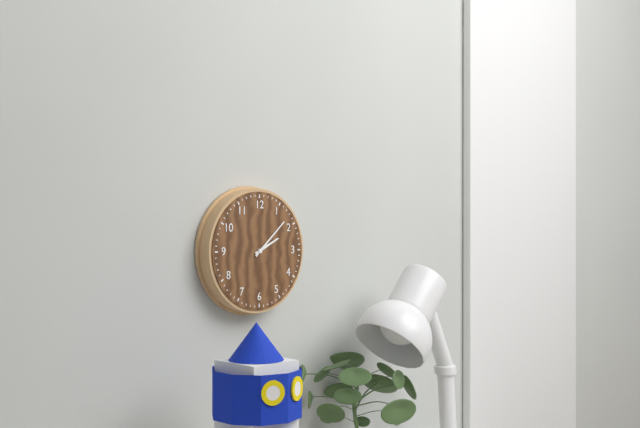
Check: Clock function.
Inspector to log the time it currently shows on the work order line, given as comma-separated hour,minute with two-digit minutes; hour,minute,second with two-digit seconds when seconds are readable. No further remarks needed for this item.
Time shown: 2,08
